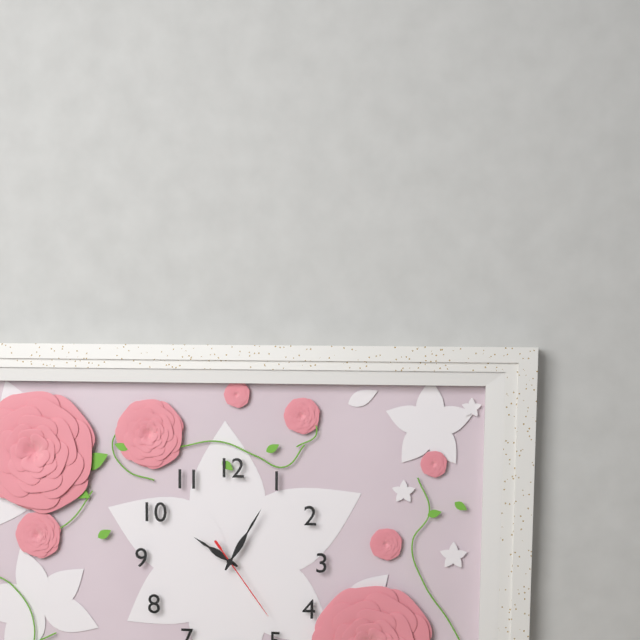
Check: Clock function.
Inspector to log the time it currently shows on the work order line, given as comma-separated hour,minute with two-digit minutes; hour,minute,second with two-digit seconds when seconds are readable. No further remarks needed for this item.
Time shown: 10,05,24
